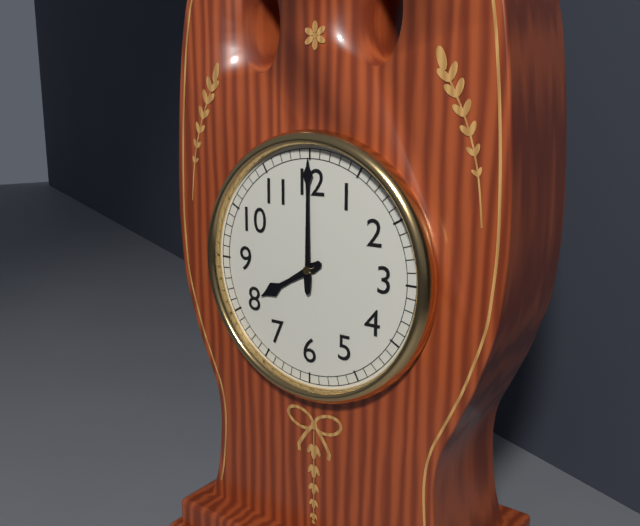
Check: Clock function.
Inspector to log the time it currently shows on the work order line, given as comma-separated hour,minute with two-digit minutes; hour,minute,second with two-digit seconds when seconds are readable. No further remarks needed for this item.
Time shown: 8,00
